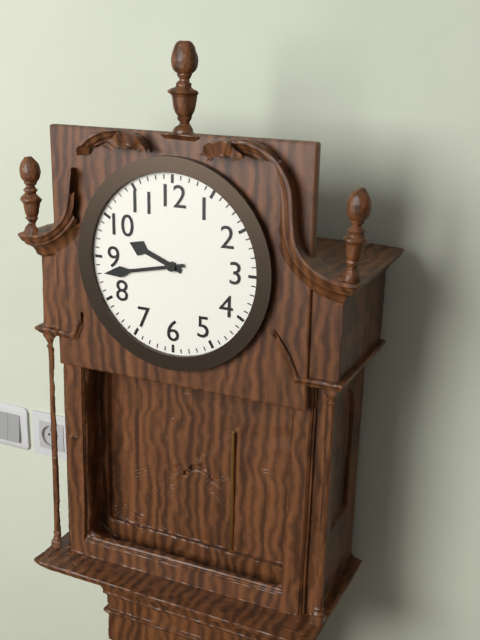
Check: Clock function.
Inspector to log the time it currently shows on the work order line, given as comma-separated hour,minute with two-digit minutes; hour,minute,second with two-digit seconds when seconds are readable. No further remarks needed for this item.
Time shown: 9,43
